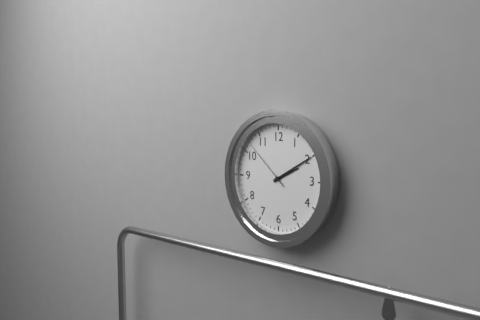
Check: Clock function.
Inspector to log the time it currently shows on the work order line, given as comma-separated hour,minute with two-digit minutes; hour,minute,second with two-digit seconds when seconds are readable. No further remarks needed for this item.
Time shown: 2,10,52
